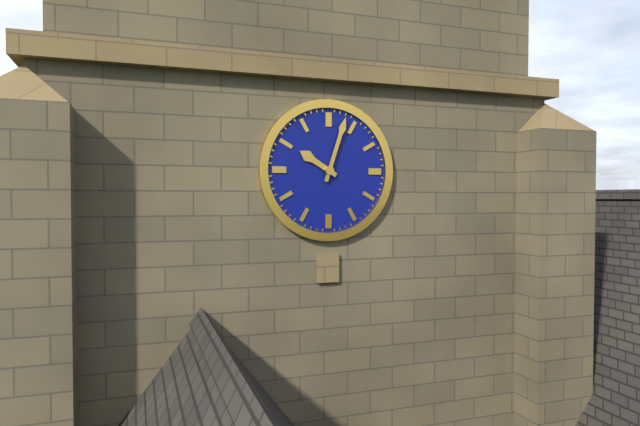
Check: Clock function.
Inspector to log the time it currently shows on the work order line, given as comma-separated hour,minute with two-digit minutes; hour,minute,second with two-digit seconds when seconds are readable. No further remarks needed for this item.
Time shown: 10,03
